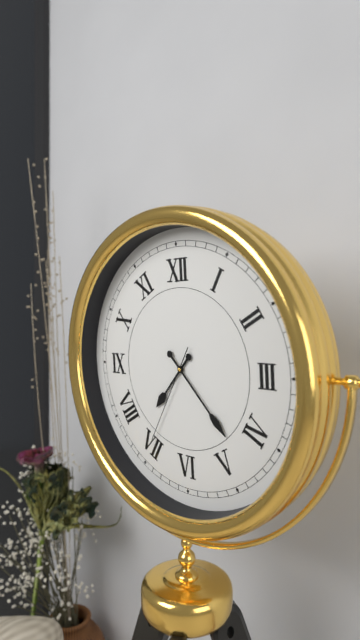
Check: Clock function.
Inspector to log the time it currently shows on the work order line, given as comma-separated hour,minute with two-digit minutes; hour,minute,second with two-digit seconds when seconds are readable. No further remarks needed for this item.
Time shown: 7,23,35
